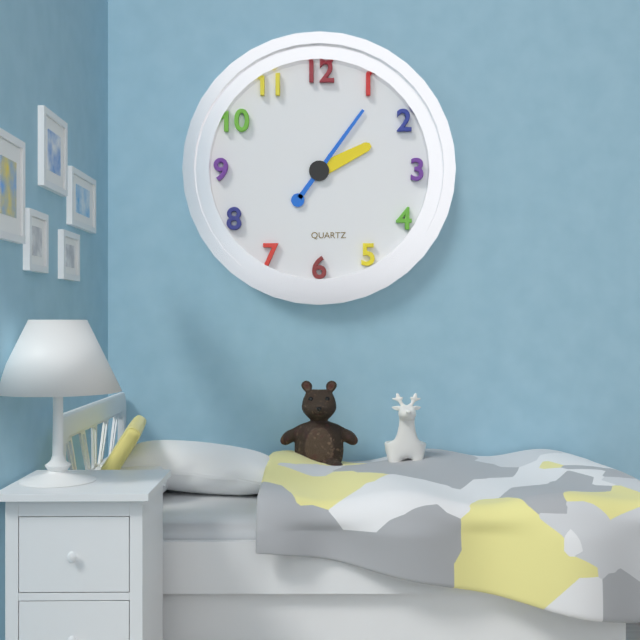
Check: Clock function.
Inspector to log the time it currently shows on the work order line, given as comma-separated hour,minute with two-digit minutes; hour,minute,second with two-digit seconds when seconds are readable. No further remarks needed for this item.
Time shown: 2,06
